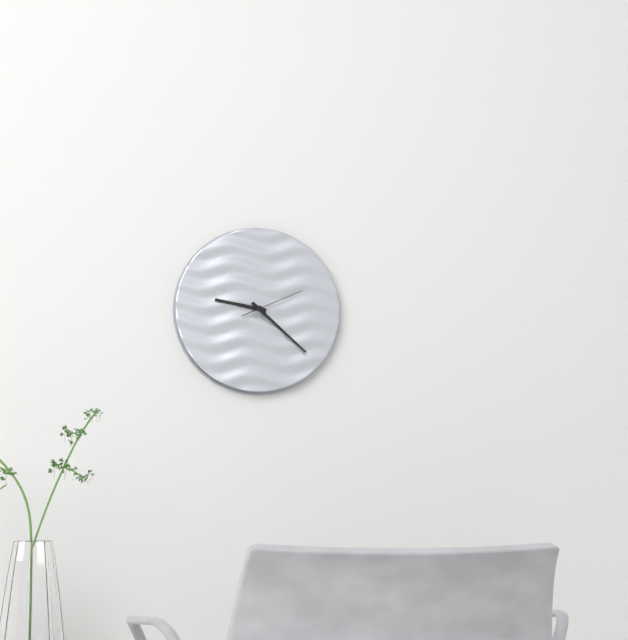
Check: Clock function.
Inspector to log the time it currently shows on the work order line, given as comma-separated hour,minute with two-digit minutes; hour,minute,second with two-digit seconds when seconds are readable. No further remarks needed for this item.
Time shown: 9,22,11
